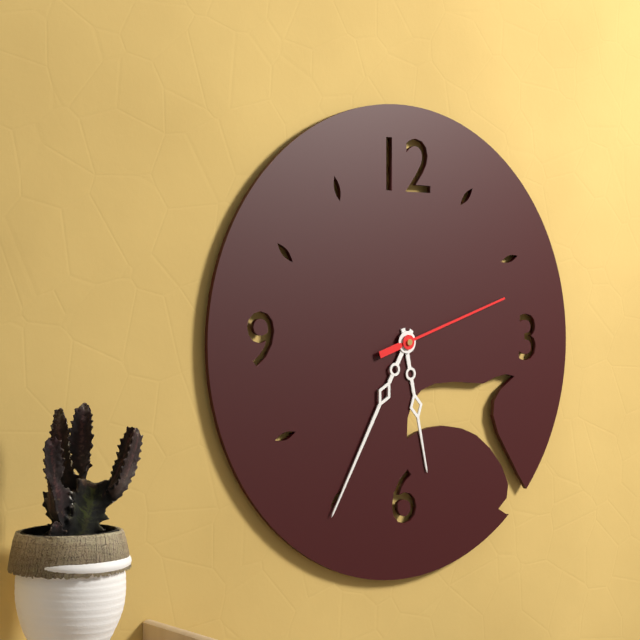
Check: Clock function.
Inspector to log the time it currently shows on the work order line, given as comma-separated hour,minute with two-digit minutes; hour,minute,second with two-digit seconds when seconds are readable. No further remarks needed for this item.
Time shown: 5,35,12
